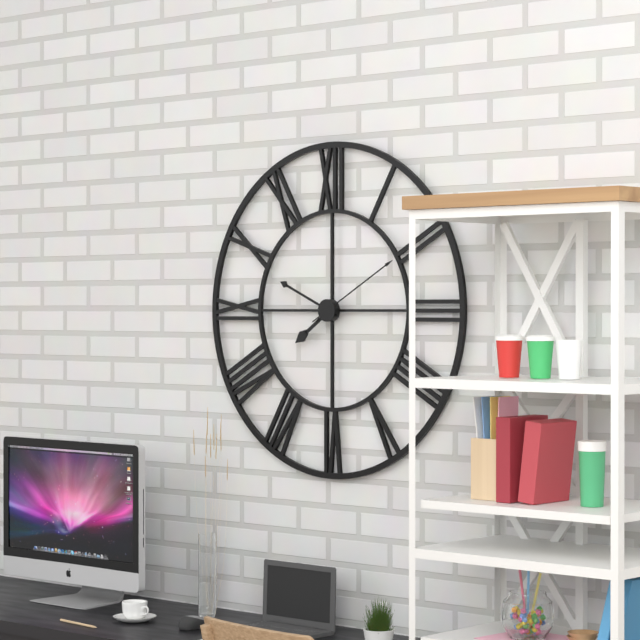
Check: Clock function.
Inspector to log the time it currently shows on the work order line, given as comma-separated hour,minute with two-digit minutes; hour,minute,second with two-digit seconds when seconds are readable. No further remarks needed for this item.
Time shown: 7,49,10
